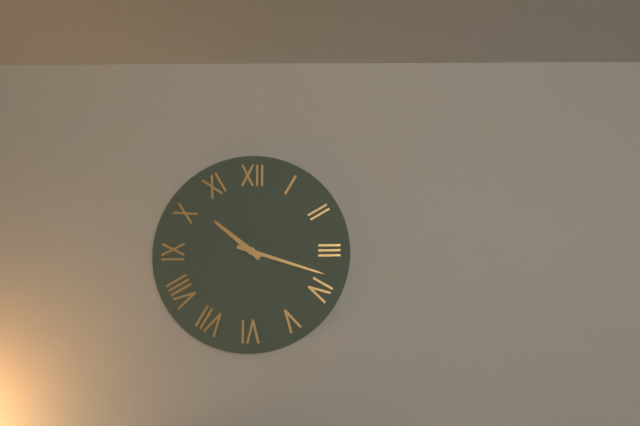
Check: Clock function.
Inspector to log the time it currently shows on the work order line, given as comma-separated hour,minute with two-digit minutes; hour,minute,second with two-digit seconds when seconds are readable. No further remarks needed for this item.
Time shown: 10,18
